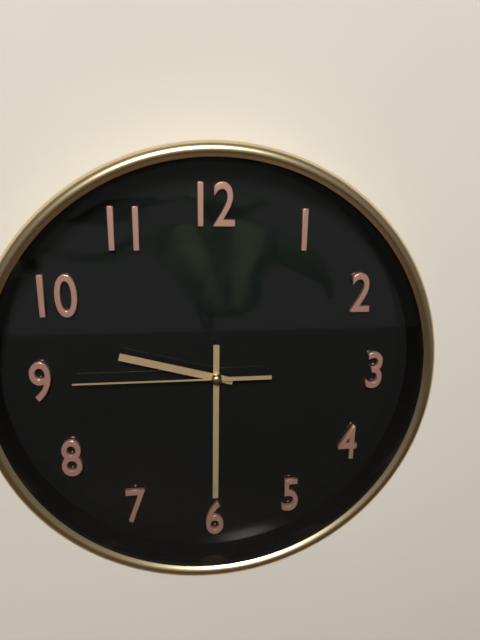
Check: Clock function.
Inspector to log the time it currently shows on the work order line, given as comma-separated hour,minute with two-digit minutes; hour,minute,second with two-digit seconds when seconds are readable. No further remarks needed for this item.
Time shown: 9,30,45
